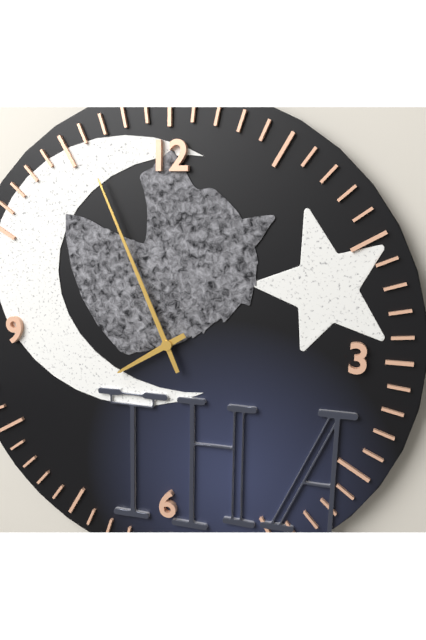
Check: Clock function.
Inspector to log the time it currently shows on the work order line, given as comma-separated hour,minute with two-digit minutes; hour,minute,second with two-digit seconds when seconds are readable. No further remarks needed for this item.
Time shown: 7,56
